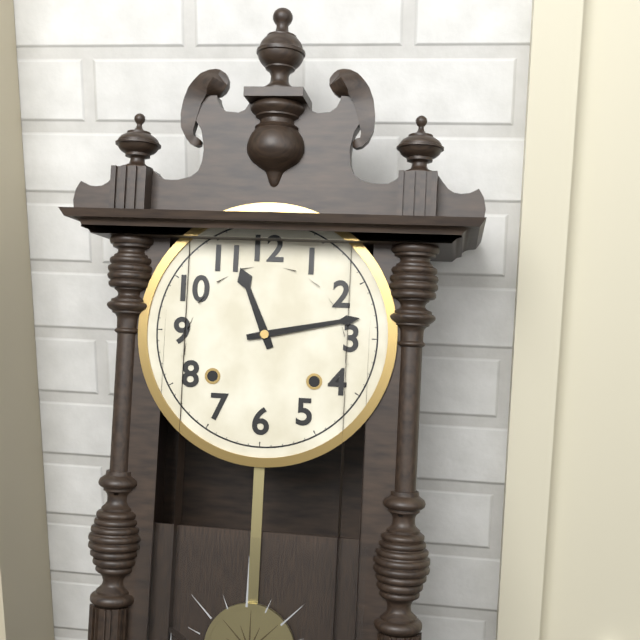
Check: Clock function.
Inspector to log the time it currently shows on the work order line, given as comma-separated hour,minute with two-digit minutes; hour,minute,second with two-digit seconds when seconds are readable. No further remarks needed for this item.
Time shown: 11,13
